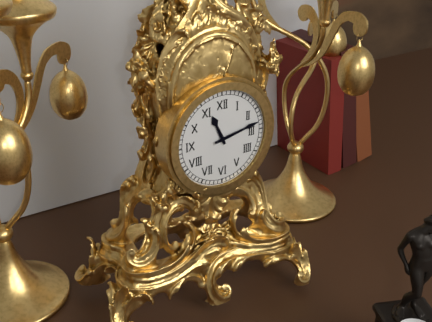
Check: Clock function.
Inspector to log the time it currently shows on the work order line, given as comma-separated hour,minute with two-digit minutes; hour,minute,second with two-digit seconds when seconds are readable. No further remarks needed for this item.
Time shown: 11,13
